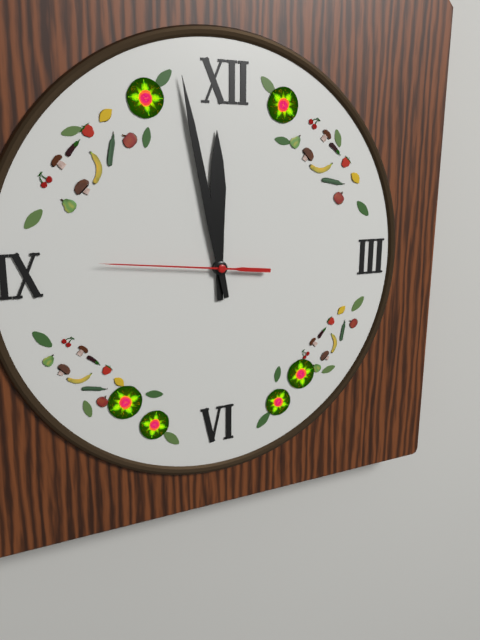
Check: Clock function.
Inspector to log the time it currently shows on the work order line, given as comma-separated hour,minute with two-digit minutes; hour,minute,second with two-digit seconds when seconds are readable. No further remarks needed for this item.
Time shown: 11,58,46
